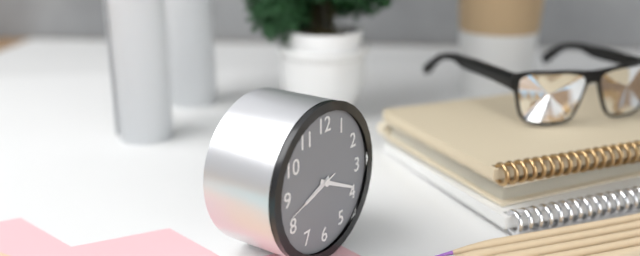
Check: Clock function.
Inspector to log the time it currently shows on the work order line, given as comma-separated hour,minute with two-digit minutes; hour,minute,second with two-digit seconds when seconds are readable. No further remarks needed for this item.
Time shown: 8,19,42
